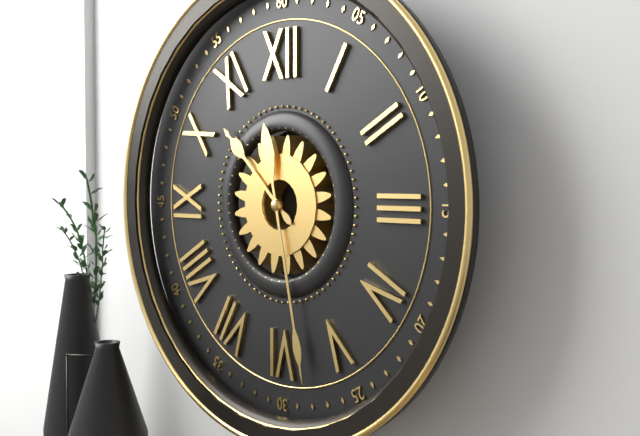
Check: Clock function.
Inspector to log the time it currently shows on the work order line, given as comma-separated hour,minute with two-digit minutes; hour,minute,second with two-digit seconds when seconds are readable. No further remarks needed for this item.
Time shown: 10,28
